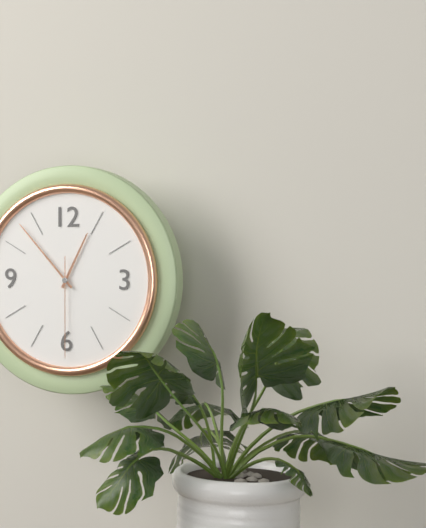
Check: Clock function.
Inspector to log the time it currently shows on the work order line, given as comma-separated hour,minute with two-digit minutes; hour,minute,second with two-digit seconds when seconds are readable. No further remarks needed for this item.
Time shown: 12,53,30
